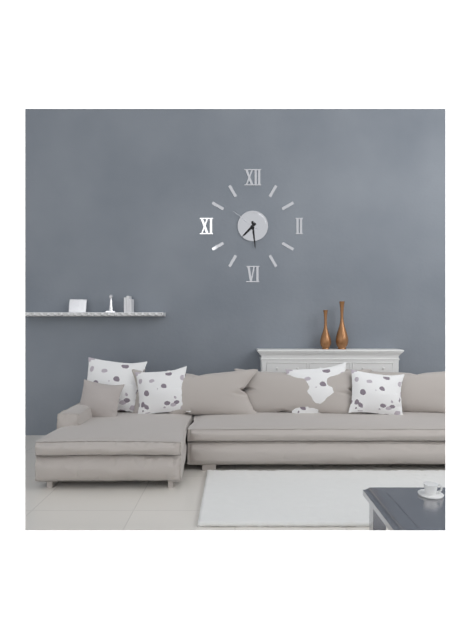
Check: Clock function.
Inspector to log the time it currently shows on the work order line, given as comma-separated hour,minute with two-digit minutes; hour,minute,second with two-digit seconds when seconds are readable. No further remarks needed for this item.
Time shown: 7,29
